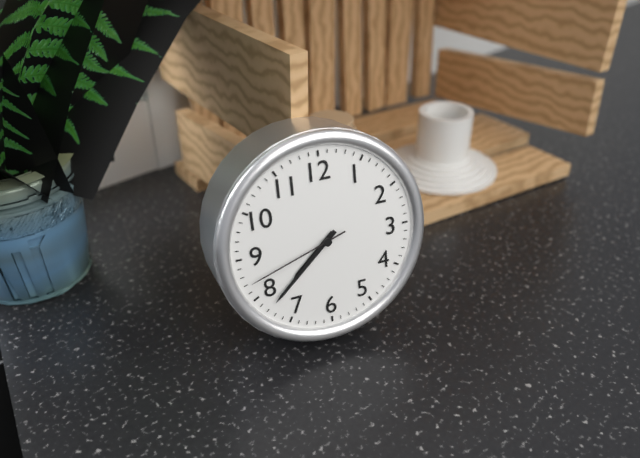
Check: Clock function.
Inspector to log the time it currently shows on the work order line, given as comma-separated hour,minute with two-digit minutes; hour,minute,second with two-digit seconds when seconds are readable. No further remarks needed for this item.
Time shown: 7,38,42
